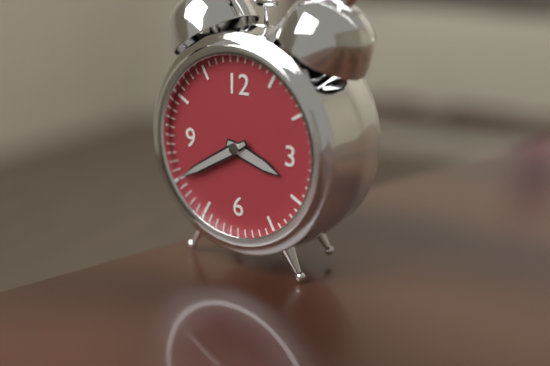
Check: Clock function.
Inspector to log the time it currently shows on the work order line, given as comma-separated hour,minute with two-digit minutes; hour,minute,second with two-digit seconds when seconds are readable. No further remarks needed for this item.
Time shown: 3,40
